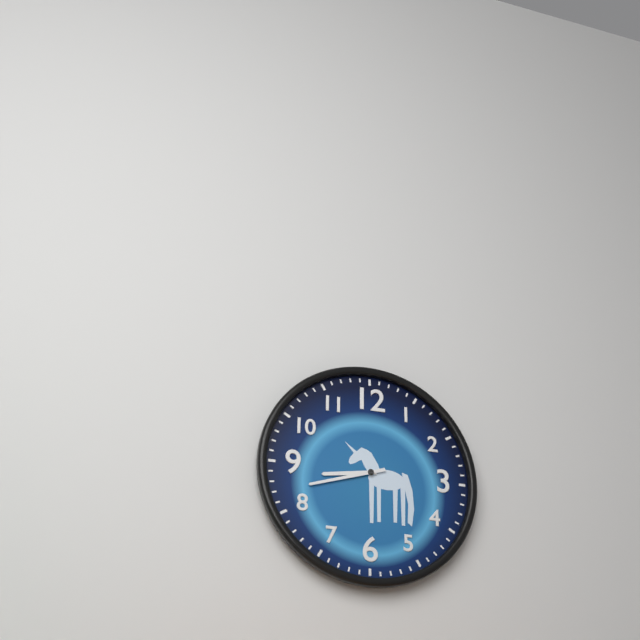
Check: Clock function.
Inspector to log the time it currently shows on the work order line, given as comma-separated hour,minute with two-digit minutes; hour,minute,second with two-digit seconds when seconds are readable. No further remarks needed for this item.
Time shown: 8,42
